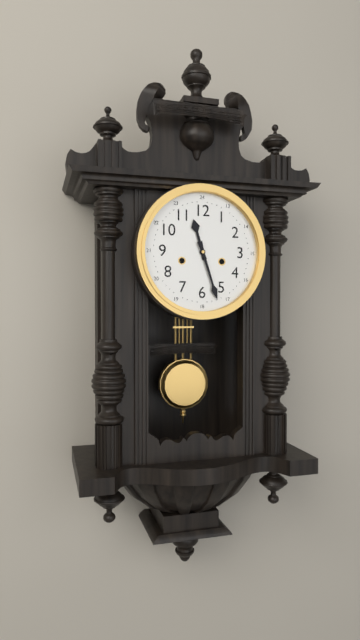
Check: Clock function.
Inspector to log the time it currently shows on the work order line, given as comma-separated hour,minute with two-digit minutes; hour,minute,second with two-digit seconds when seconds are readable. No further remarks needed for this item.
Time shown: 11,27
